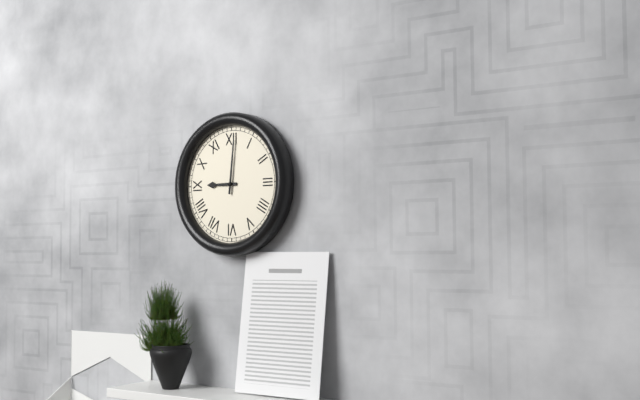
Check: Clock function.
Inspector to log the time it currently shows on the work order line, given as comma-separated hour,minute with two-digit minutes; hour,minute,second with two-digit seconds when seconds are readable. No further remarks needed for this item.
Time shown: 9,01
